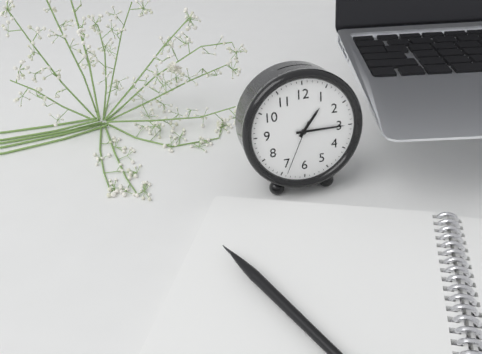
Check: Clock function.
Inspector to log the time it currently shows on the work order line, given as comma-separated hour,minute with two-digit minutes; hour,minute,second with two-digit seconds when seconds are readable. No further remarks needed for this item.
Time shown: 1,15,34
